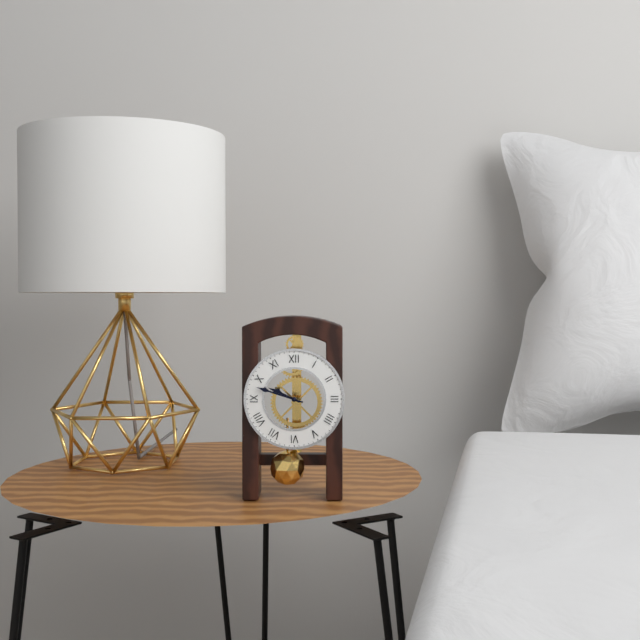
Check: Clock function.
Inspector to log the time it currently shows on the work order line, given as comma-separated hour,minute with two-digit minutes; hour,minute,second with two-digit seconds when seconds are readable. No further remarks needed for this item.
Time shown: 9,48
